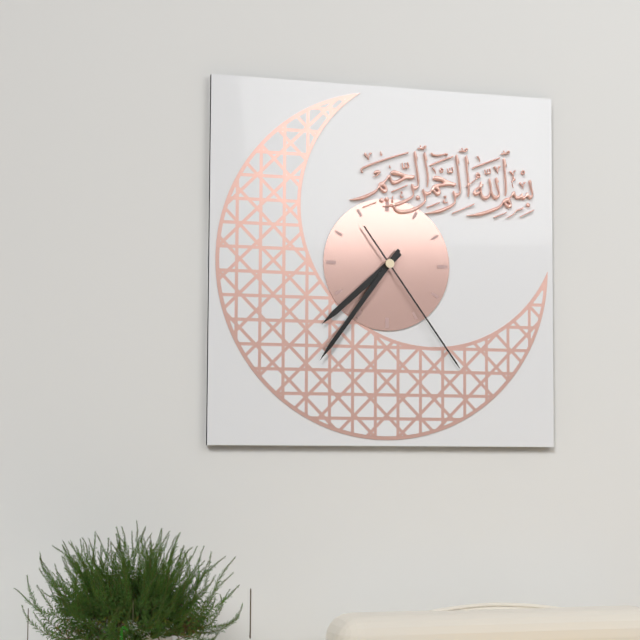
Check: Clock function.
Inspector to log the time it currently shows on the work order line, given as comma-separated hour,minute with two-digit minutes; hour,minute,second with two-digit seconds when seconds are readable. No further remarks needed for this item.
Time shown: 7,36,24
